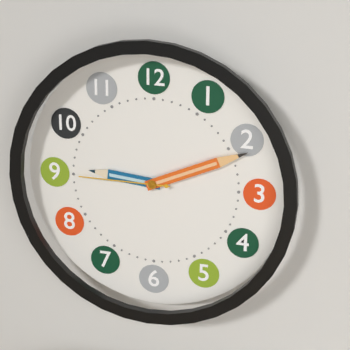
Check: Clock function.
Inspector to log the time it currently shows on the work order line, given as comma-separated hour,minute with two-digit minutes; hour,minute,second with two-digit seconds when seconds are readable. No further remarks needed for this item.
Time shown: 9,11,45
